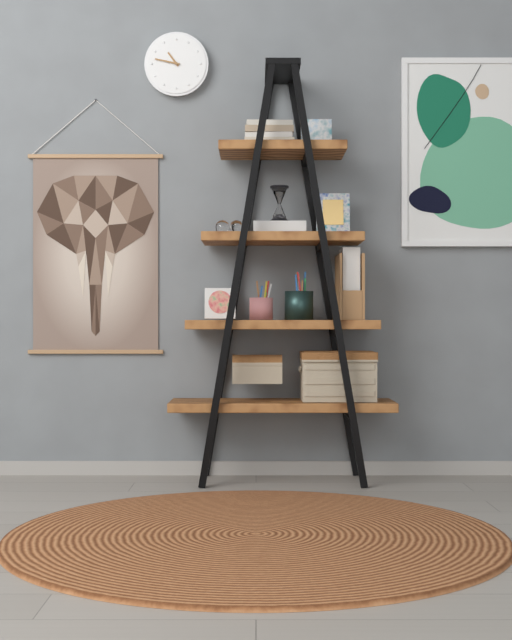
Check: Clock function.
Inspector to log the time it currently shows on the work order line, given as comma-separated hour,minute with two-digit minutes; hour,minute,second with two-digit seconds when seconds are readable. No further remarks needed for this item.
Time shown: 10,47
